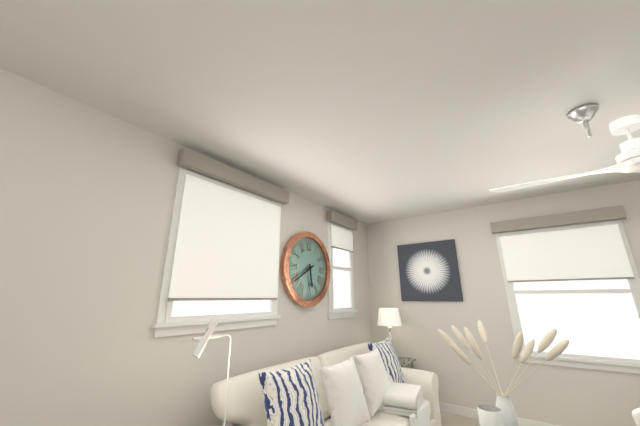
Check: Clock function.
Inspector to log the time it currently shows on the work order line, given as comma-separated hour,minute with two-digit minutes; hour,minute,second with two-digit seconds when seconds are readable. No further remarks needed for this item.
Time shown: 5,40
